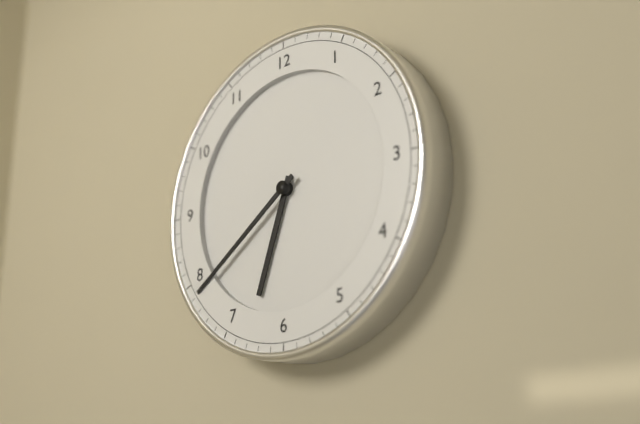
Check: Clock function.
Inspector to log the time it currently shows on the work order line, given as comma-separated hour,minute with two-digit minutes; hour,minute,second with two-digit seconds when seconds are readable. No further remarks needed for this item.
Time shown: 6,39
